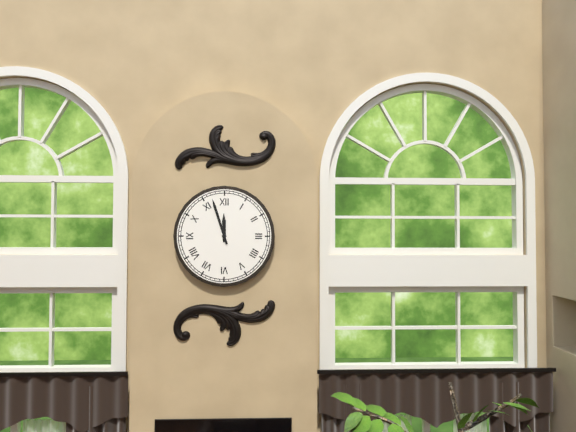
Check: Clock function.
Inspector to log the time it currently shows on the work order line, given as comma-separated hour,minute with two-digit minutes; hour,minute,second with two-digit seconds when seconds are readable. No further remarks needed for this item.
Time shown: 11,57
